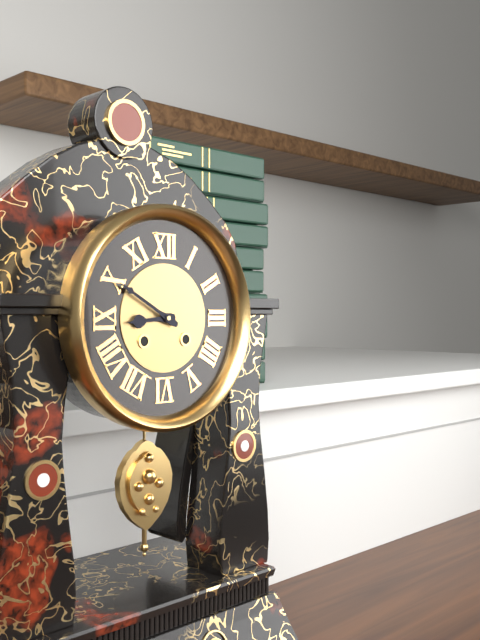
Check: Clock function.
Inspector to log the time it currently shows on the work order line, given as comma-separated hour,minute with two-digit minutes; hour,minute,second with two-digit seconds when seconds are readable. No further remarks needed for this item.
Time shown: 8,50
